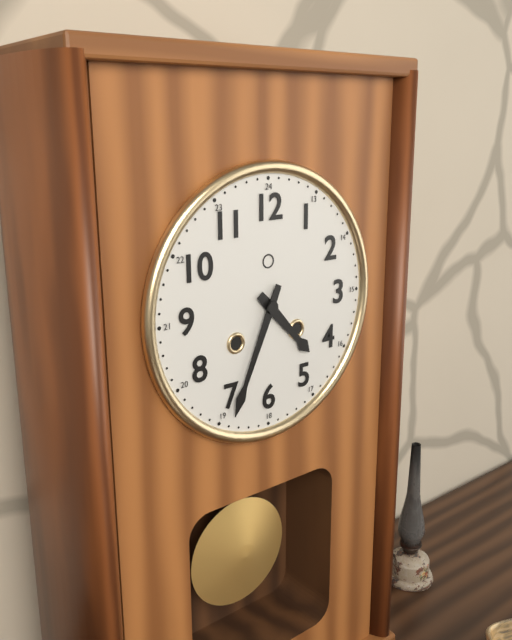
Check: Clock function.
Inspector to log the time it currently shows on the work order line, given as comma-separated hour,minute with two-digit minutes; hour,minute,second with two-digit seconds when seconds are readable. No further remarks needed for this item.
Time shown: 4,34
